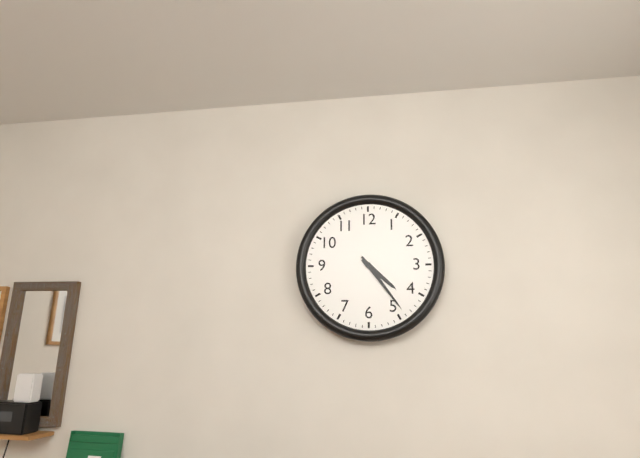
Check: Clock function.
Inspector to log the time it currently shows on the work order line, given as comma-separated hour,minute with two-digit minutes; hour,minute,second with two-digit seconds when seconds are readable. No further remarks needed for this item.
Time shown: 4,24
